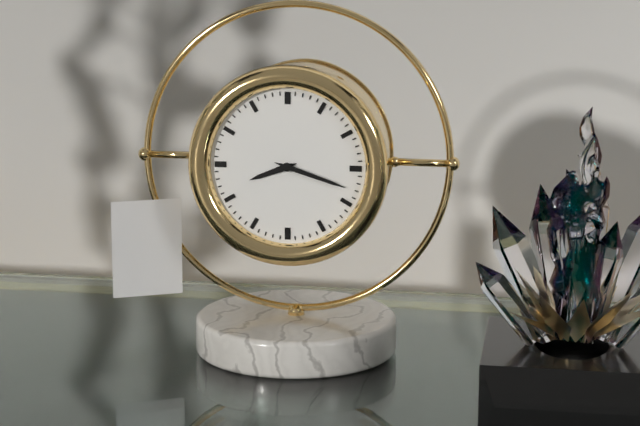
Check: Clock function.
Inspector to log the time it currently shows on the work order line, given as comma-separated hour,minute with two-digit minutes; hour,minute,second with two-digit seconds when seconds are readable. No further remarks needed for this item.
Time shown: 8,18
